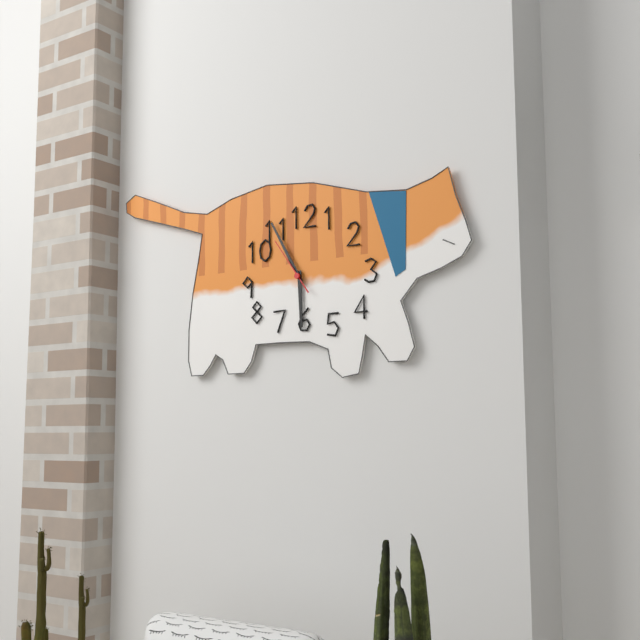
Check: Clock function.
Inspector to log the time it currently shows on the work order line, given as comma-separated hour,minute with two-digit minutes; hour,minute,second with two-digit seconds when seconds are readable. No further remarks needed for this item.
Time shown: 5,55,54
